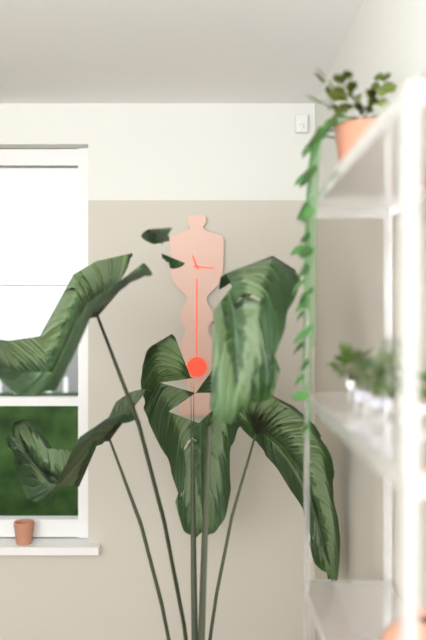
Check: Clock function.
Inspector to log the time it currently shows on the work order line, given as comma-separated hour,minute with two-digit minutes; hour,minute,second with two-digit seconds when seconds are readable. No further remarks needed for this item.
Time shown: 11,16
